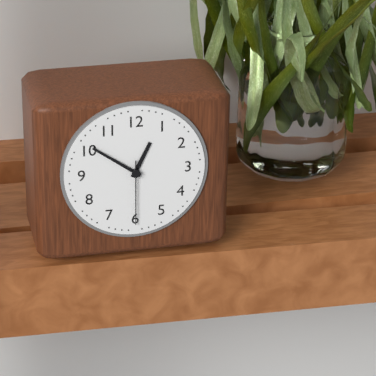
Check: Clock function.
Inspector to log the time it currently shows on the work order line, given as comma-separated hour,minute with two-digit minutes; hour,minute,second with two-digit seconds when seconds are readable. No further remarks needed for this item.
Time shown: 12,51,30
